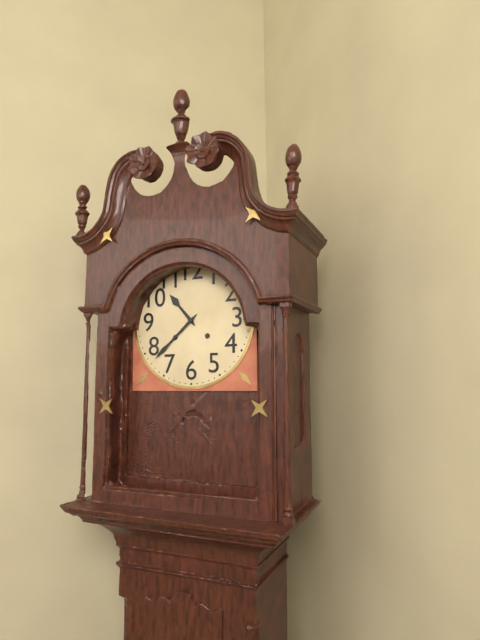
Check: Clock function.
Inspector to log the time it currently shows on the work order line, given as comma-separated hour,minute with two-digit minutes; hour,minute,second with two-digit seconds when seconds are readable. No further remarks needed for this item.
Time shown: 10,38
